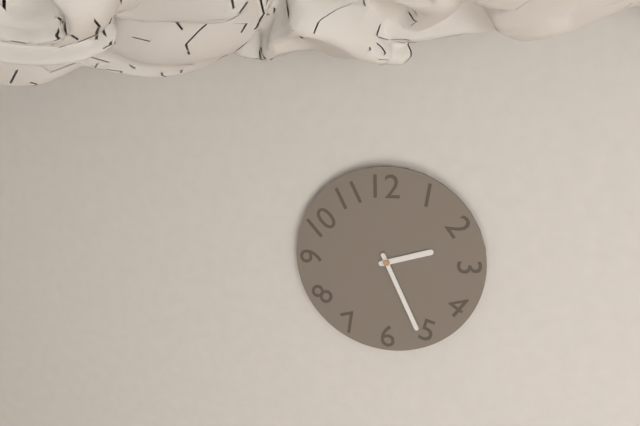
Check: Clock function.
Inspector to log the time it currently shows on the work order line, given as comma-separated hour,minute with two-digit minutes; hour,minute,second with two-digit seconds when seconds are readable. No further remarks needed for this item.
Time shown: 2,26
